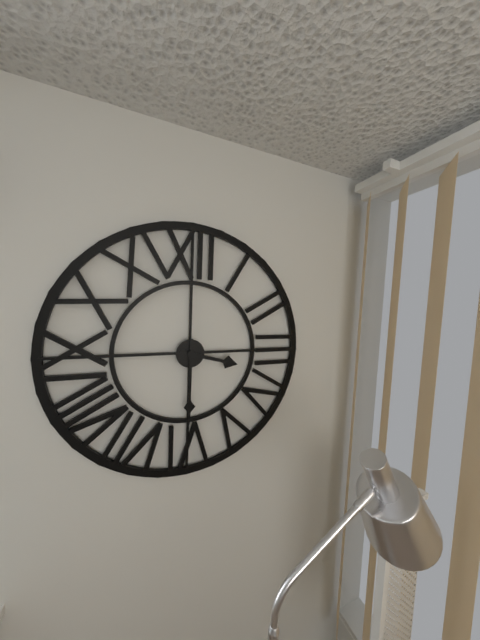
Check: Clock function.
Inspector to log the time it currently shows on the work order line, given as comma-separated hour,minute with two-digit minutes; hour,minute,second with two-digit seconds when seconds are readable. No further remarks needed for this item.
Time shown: 3,30
